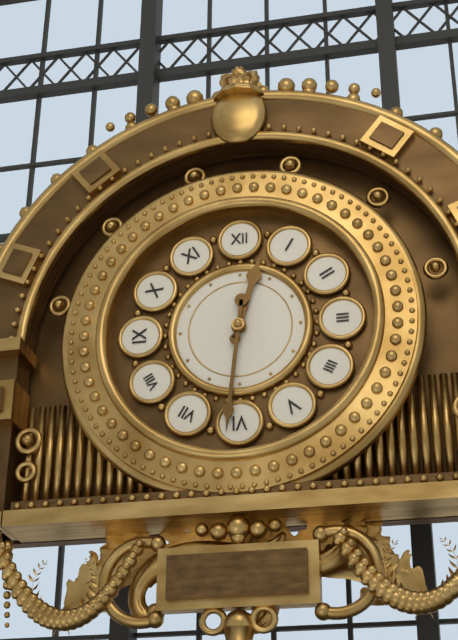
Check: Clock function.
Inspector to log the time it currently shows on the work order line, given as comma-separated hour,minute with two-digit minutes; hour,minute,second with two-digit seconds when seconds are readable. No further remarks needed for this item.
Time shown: 12,31
